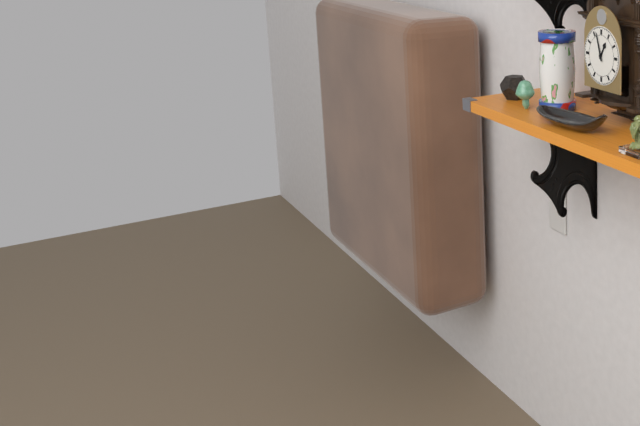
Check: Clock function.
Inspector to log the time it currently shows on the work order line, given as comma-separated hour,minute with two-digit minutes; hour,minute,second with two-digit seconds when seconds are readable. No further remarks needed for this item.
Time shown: 12,57
